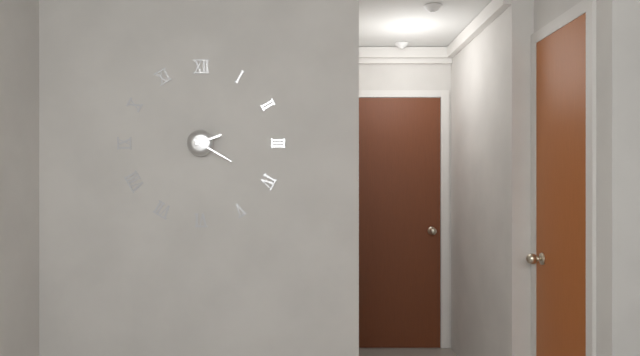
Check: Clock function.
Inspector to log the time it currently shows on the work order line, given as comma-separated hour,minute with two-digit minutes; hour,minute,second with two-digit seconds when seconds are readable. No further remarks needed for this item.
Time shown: 2,20
